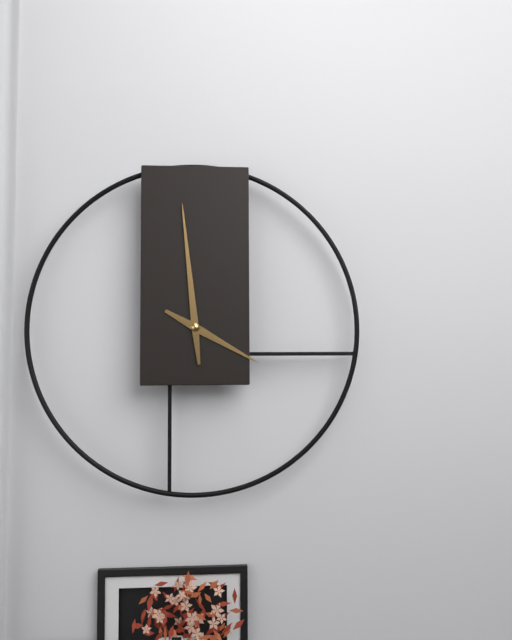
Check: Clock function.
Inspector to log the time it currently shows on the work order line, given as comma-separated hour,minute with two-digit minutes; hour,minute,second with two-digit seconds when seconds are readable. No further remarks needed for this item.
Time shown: 3,59
